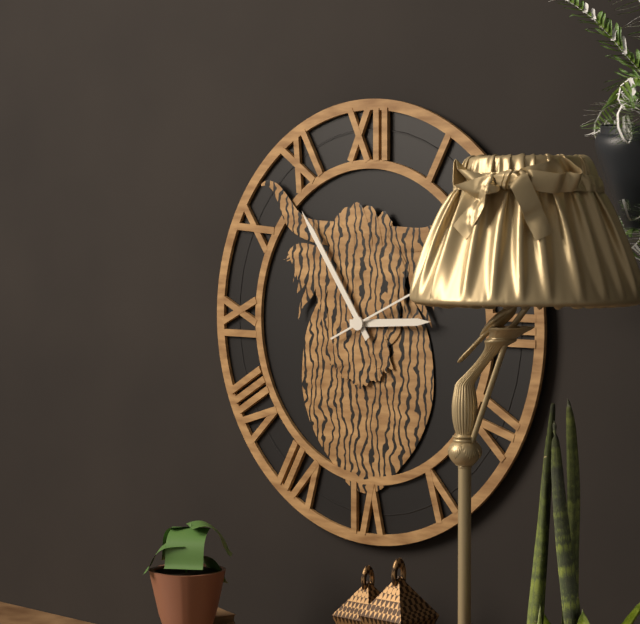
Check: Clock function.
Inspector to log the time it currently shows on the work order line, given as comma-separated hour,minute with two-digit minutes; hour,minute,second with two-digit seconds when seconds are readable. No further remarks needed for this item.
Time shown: 2,54
